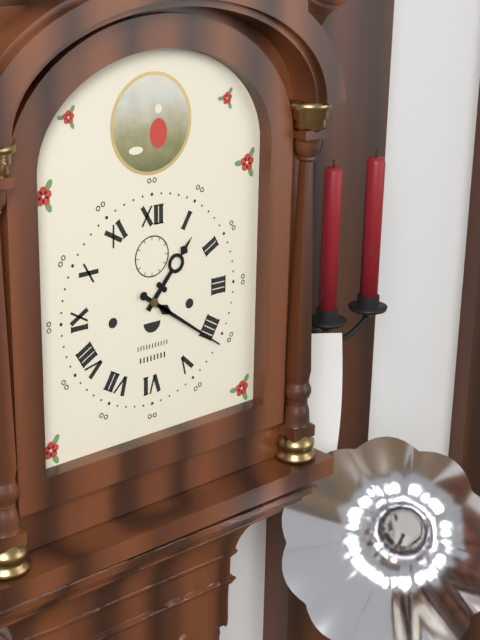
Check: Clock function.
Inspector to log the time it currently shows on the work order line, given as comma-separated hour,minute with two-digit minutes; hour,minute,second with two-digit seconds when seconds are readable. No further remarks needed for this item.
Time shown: 1,21
